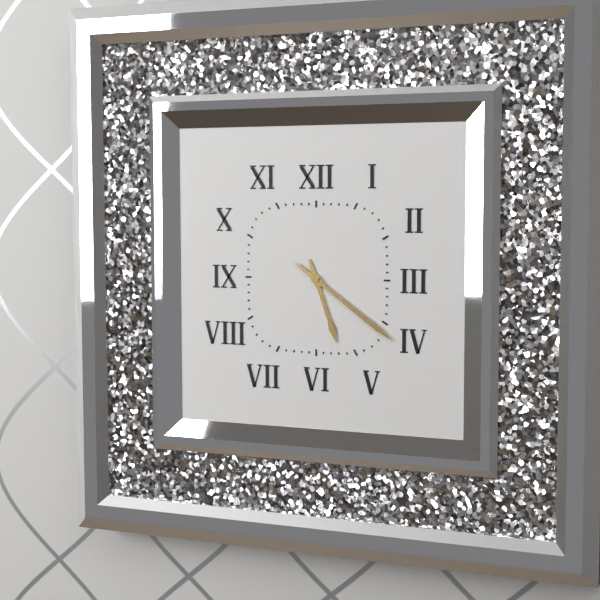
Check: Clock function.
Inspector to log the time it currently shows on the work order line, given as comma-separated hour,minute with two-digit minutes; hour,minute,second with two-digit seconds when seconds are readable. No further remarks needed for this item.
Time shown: 5,21
